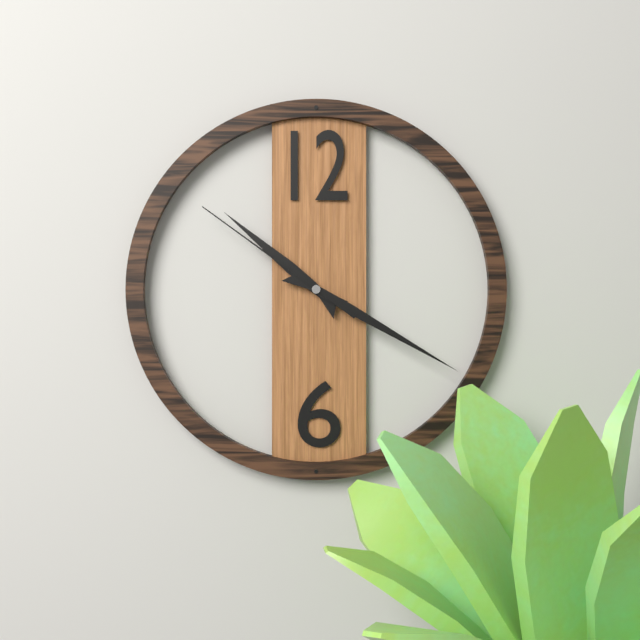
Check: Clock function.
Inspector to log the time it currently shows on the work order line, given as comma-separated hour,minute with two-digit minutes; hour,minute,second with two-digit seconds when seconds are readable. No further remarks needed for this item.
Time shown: 10,20,51
